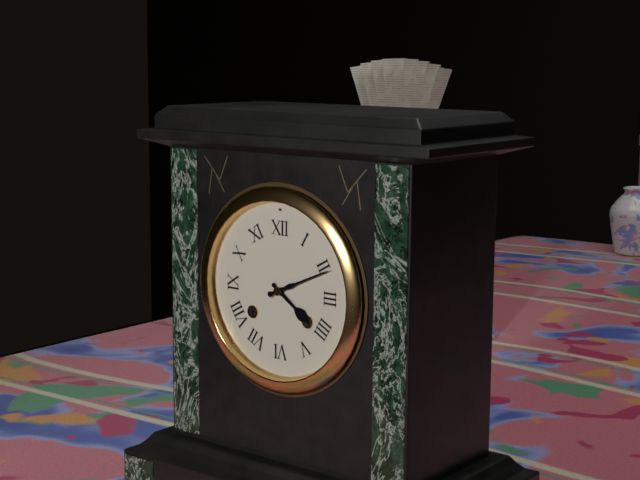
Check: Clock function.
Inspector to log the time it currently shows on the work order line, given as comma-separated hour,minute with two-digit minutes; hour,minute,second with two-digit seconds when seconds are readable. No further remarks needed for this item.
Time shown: 4,11
